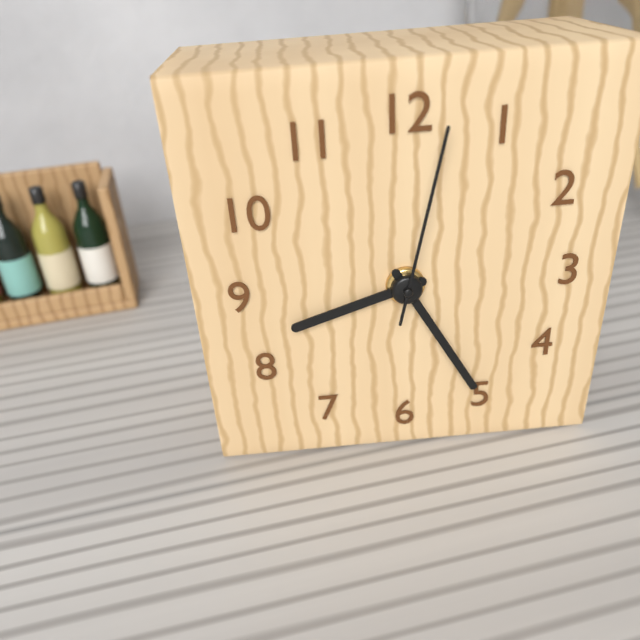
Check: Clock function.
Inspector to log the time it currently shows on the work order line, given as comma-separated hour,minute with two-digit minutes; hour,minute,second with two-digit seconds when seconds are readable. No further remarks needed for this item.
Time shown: 8,25,02
